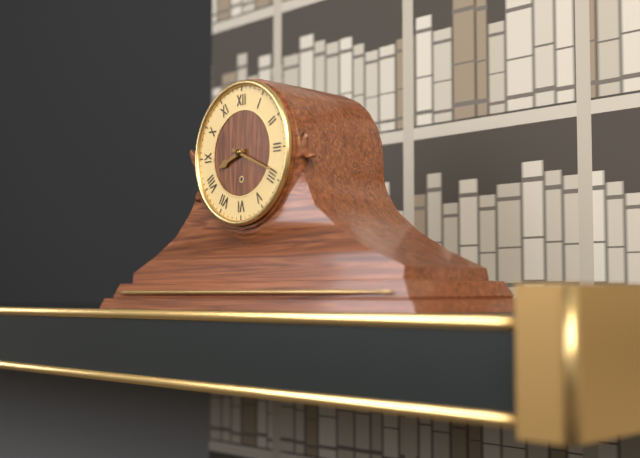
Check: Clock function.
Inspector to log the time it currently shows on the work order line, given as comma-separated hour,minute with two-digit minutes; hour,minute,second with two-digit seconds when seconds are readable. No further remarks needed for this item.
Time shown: 8,19
